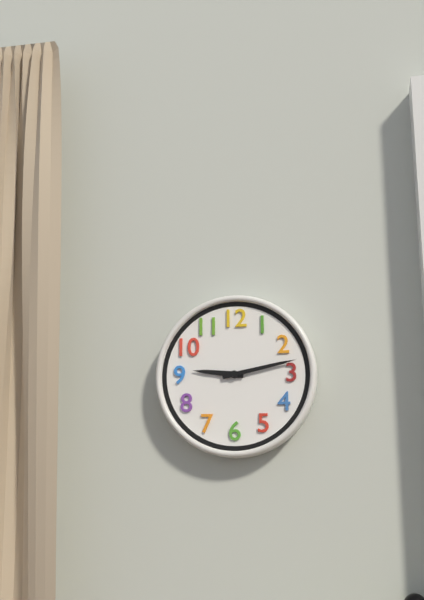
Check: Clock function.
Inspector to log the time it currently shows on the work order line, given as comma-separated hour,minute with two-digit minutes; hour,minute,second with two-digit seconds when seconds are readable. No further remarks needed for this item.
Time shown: 9,13
